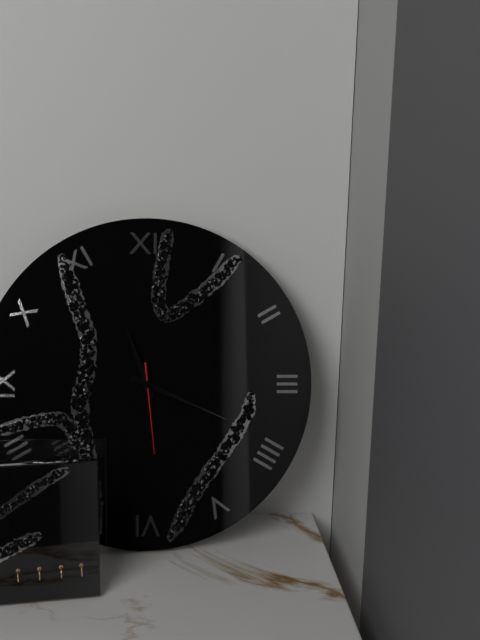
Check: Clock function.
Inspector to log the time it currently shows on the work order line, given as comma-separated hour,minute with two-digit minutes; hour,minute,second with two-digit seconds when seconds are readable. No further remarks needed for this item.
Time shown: 11,19,29
